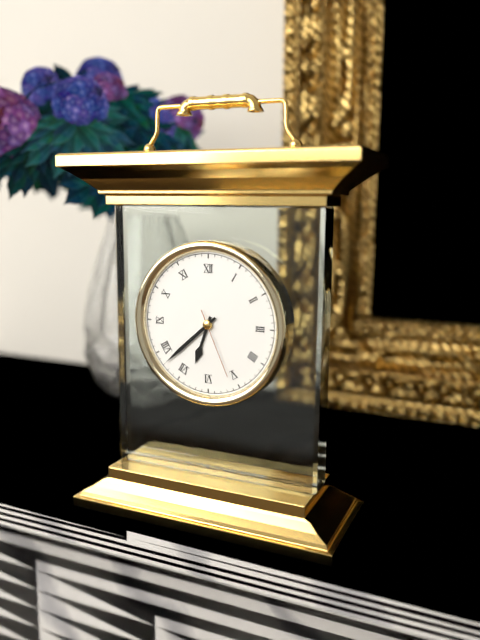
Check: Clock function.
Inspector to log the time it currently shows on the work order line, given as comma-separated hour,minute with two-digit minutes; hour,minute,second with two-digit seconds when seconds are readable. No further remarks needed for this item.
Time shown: 6,38,26
